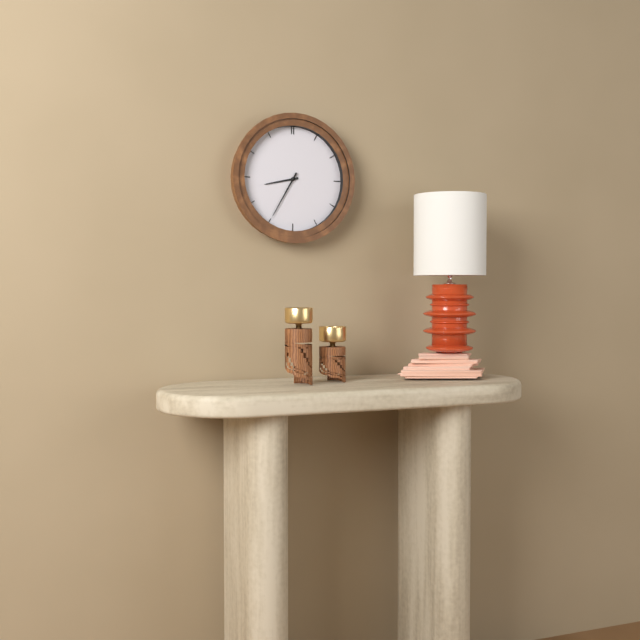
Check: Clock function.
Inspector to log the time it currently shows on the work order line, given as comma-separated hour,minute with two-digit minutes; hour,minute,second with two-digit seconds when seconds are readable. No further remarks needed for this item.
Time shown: 8,35
